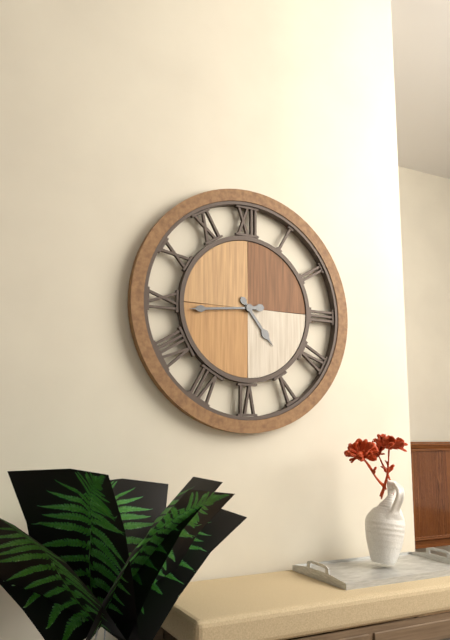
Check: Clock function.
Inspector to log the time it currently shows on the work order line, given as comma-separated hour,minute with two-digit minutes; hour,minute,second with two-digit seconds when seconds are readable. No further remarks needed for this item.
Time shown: 4,44
